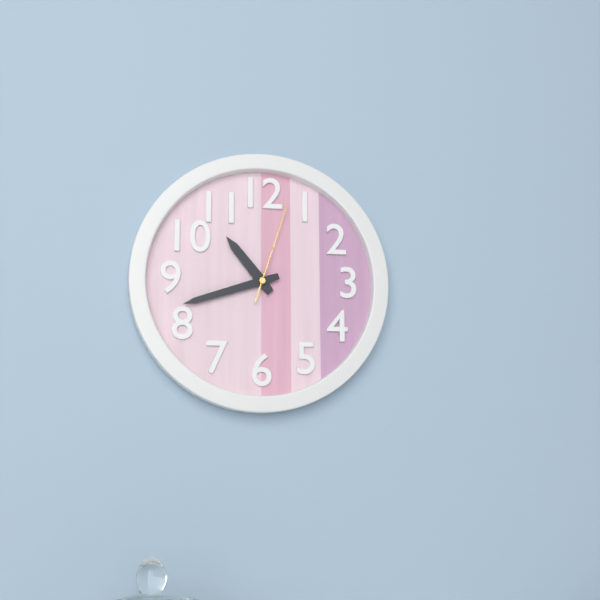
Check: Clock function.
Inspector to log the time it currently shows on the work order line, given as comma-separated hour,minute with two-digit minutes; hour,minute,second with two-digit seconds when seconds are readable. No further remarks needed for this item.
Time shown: 10,42,03
